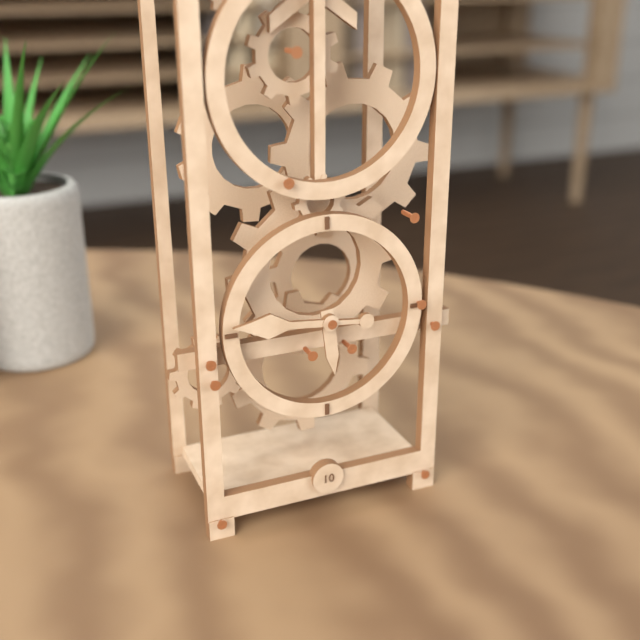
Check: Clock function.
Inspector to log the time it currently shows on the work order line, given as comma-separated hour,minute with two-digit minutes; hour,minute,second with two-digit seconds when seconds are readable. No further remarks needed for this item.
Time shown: 5,46
